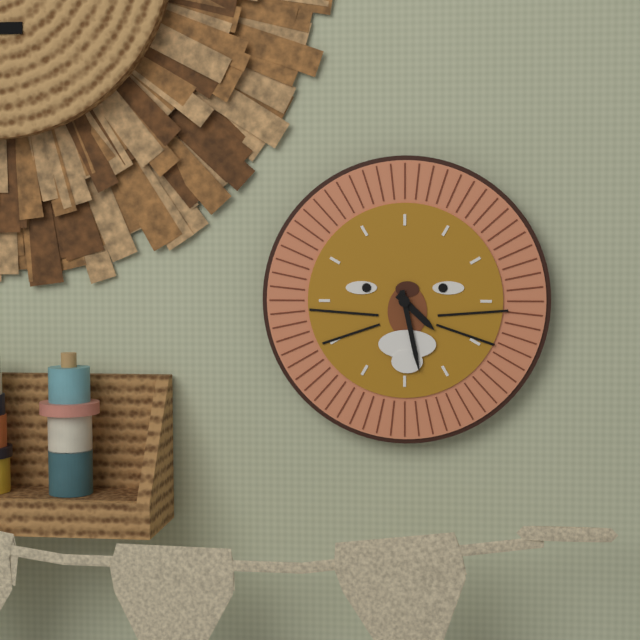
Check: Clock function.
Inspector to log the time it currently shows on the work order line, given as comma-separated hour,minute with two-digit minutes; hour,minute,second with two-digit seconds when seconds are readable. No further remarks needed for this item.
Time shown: 4,28
